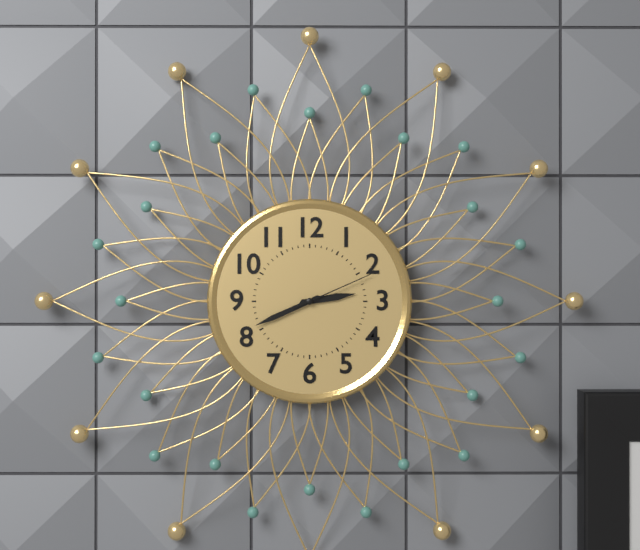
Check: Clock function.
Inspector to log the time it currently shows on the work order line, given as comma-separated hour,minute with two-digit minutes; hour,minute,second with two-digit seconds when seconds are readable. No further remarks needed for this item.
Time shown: 2,41,11
